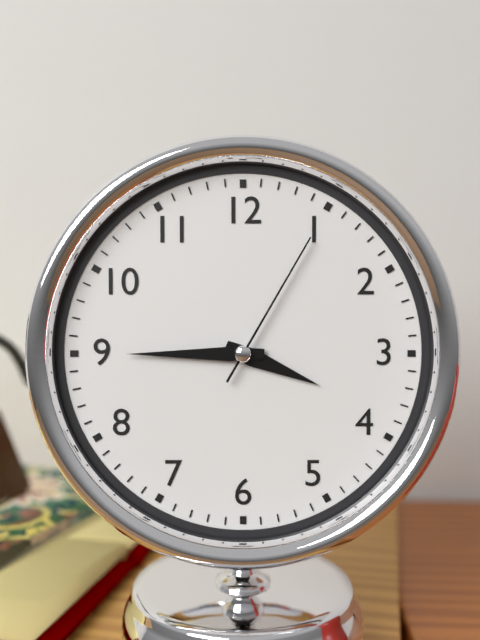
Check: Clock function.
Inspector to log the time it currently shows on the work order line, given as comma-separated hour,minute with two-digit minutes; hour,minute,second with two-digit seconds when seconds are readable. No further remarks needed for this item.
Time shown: 3,45,05
